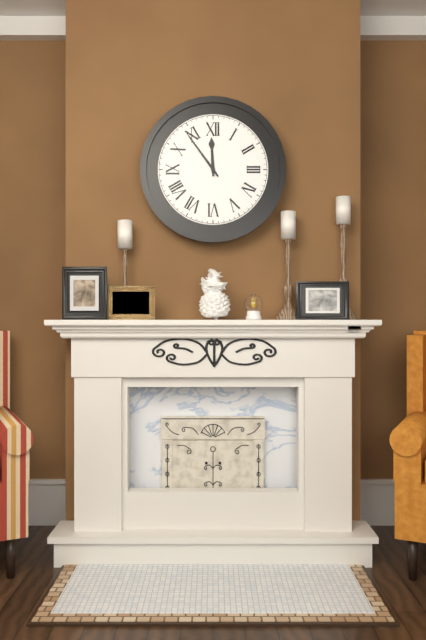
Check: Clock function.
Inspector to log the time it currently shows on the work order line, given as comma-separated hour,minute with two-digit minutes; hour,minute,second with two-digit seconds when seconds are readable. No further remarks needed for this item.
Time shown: 11,54
